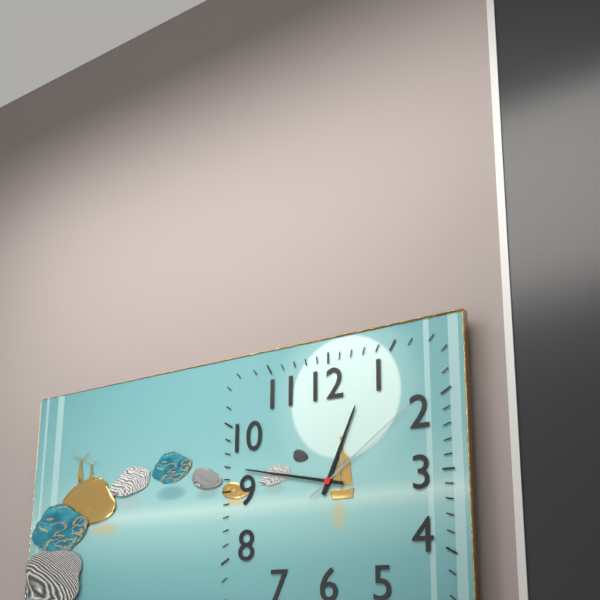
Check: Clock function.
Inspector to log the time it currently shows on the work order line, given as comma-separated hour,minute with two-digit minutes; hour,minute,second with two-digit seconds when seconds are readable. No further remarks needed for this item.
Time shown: 12,47,09
